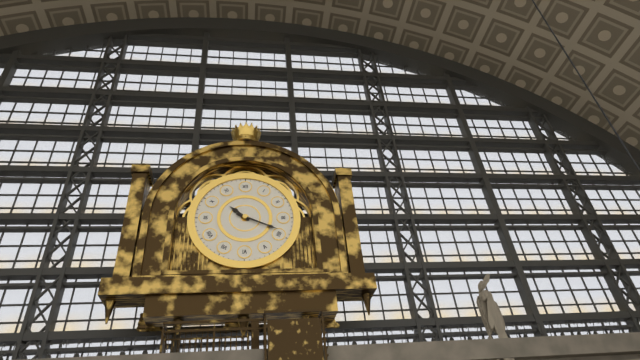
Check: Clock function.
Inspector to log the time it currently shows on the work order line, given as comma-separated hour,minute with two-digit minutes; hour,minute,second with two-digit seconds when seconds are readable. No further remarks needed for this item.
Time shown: 10,19
